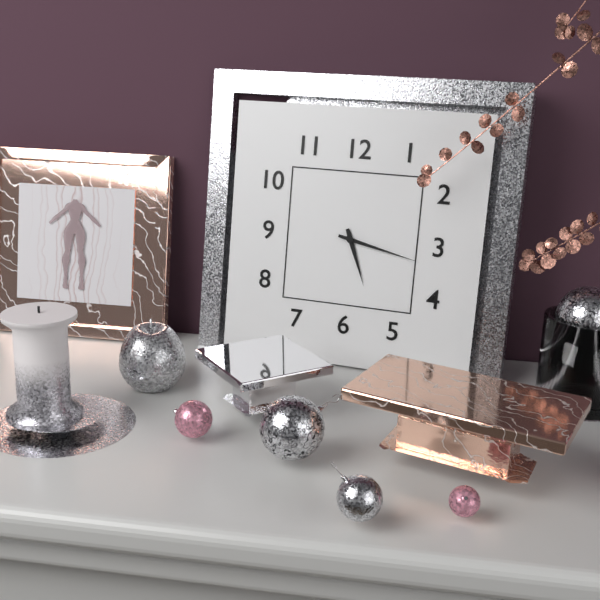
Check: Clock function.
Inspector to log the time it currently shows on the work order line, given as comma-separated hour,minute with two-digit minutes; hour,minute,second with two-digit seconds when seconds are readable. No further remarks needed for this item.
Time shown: 5,17
